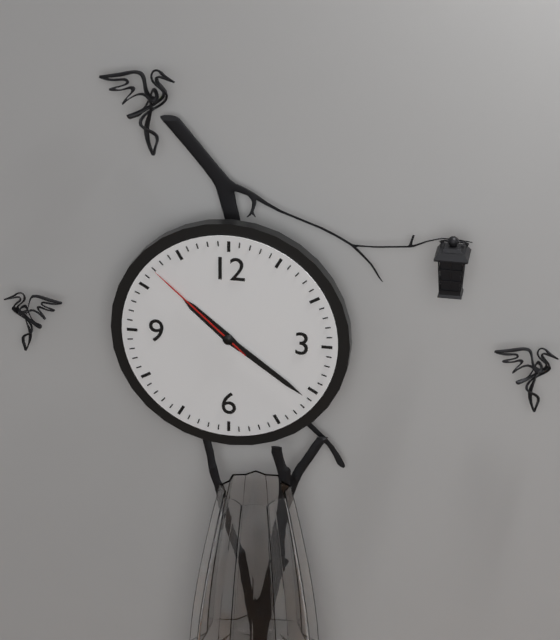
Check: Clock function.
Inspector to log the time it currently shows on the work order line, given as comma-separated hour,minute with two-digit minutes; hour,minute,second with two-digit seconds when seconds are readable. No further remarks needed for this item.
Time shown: 10,21,52
